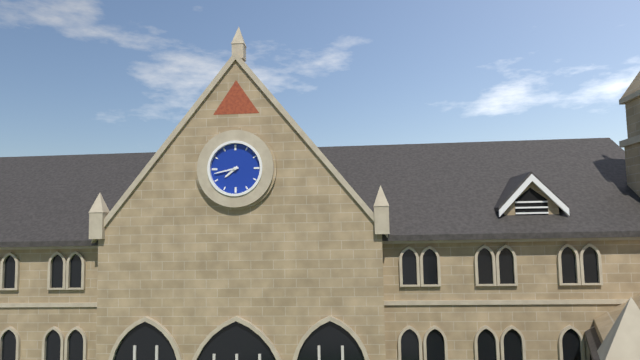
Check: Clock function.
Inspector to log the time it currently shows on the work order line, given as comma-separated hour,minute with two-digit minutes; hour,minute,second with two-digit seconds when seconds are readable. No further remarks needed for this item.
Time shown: 7,43
